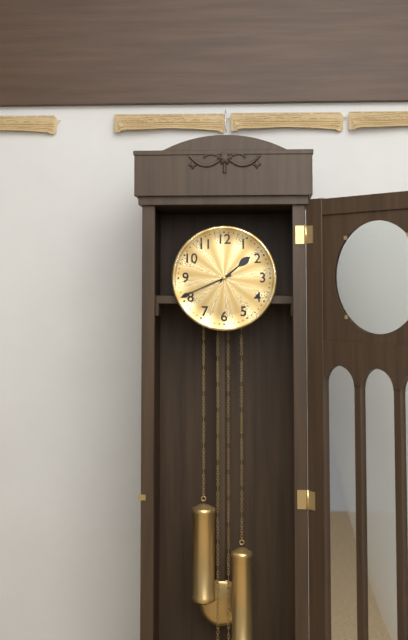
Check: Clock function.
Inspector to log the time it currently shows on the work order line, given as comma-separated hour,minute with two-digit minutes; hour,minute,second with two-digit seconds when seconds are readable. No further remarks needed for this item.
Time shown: 1,41
